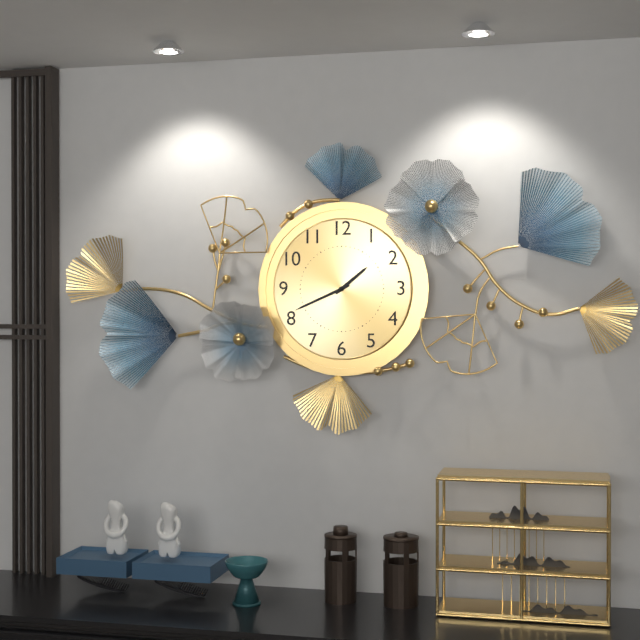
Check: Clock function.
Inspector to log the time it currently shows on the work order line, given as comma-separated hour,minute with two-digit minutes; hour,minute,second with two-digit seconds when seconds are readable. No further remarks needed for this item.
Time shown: 1,41
